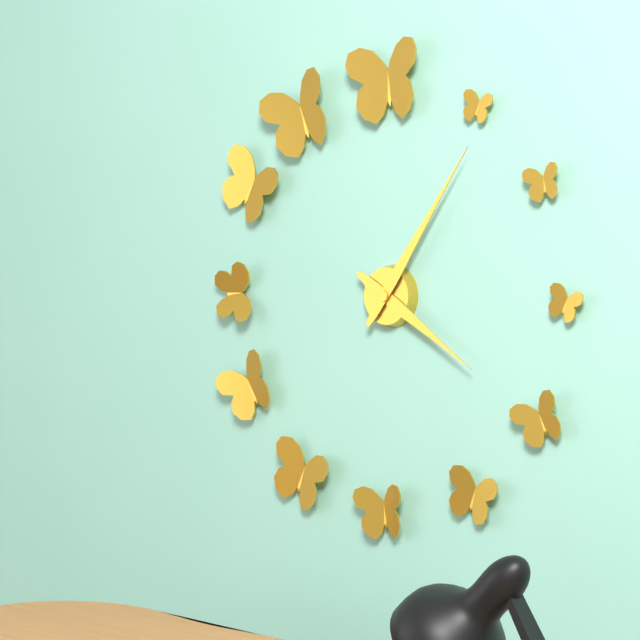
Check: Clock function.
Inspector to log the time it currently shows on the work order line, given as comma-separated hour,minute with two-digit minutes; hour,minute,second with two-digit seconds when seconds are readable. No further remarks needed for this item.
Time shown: 4,06
